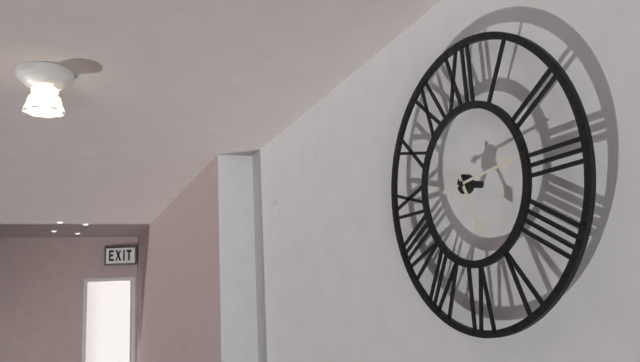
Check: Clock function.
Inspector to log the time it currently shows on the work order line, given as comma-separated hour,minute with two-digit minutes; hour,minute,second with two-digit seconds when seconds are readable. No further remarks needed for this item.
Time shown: 5,14
